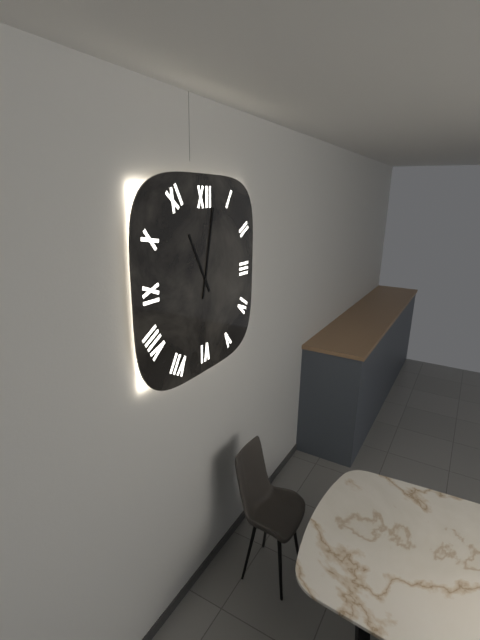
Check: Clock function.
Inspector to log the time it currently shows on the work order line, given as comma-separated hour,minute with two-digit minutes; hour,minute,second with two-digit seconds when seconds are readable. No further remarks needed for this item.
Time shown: 11,02
